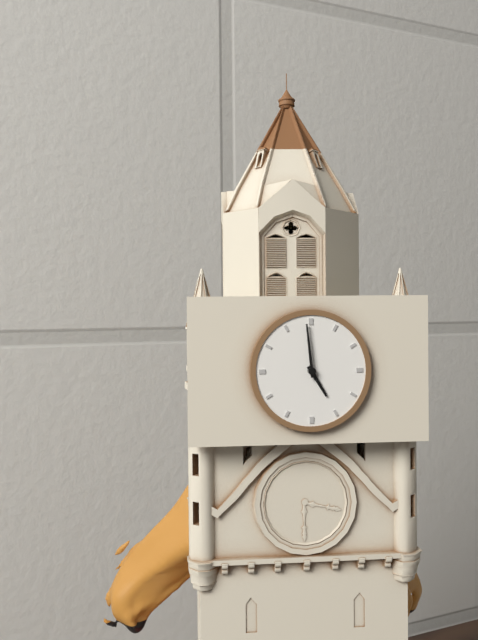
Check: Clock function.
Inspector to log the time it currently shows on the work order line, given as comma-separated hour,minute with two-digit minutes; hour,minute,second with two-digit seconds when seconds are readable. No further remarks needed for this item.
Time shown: 4,59
